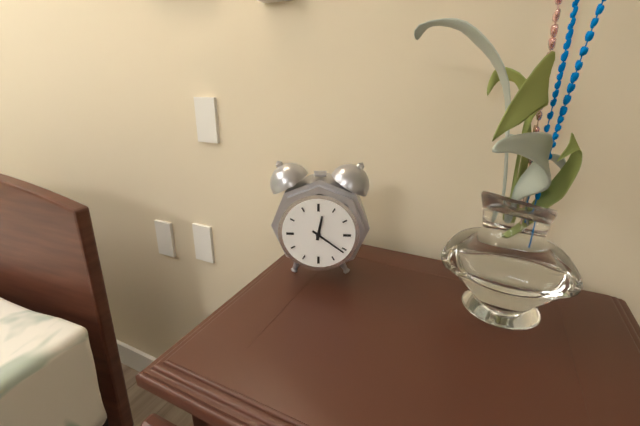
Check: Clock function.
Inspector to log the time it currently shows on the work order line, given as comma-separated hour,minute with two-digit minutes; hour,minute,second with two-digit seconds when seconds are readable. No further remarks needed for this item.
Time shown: 12,21
